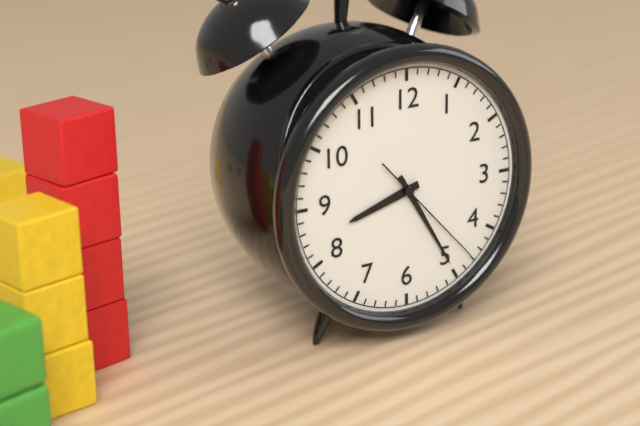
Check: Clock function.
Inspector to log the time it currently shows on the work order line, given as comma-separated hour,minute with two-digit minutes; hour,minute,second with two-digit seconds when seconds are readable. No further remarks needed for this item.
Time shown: 8,25,23
